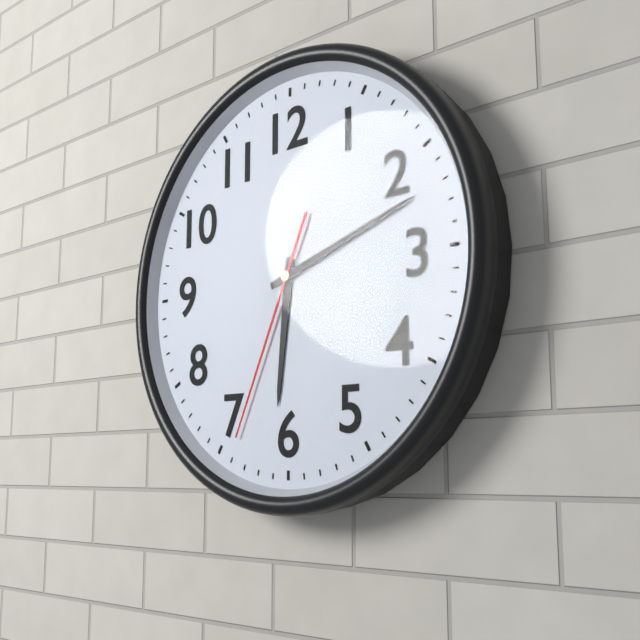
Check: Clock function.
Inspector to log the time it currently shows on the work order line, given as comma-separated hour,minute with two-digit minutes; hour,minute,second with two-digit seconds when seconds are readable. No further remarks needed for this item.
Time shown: 6,12,34
